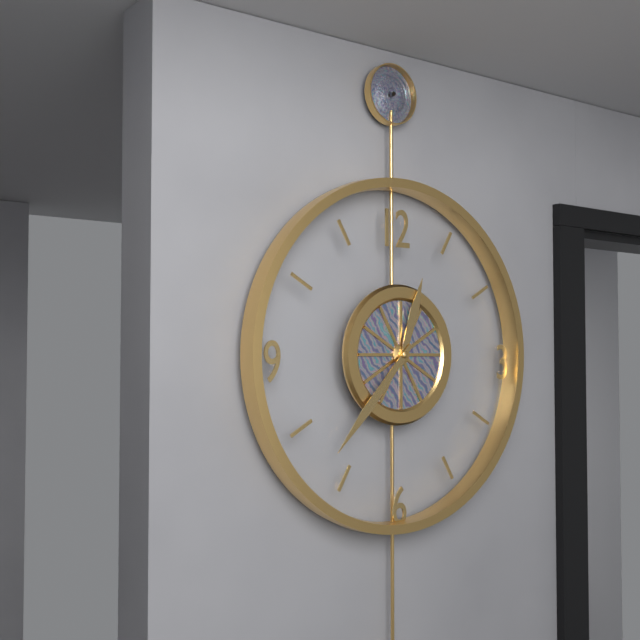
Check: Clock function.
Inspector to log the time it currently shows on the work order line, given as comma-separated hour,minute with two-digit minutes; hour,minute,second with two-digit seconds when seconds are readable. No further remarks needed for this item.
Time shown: 12,37
